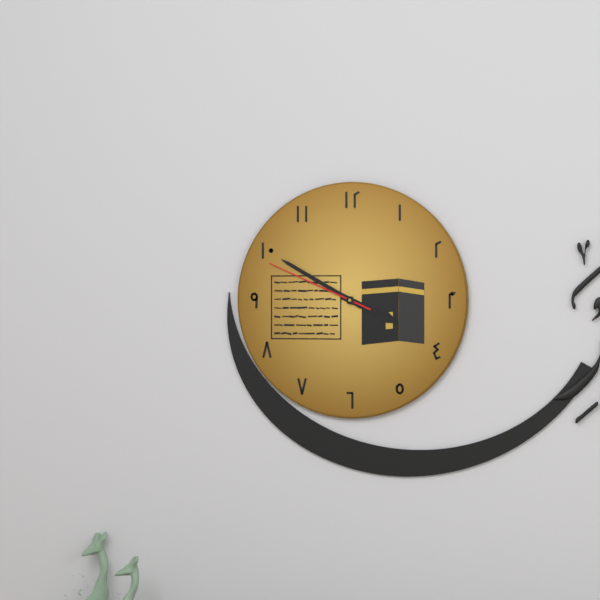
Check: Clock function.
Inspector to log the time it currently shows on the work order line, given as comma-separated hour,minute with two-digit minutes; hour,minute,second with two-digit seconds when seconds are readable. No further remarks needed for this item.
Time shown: 3,50,49
